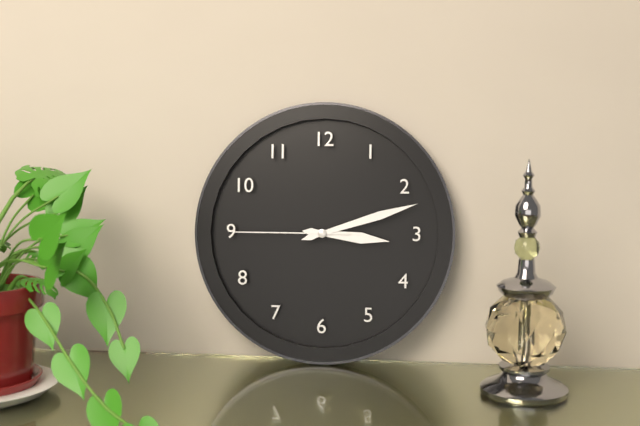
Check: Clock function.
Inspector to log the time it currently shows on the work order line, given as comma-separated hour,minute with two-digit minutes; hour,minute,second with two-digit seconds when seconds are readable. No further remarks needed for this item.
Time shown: 3,12,45
